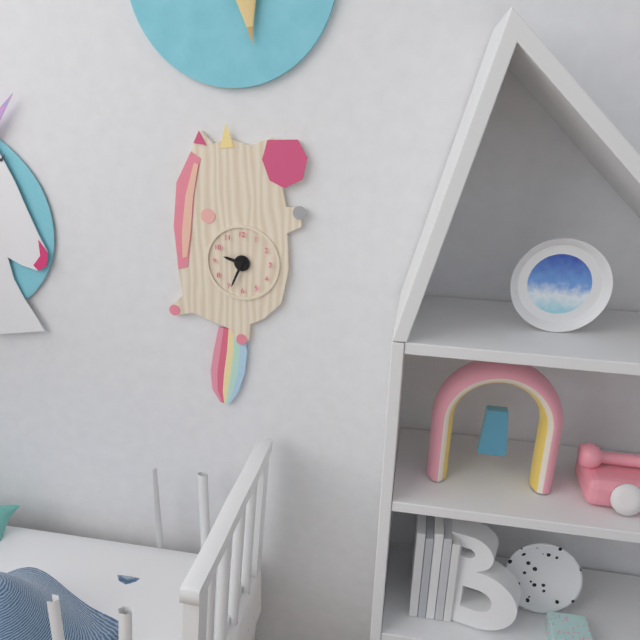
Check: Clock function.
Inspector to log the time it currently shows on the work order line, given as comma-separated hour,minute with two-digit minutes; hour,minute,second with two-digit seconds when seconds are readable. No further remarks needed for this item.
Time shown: 9,34
